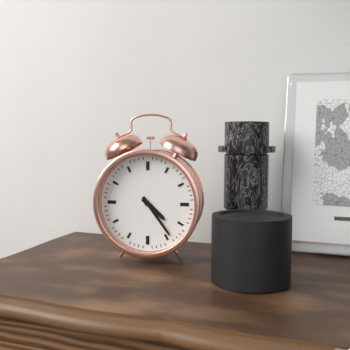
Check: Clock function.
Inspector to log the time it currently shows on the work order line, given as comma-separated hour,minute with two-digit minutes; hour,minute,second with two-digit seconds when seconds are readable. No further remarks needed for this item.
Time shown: 4,24
